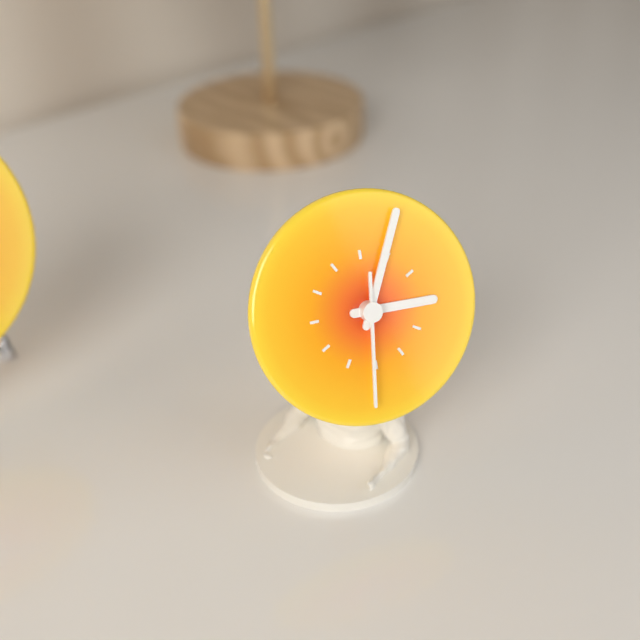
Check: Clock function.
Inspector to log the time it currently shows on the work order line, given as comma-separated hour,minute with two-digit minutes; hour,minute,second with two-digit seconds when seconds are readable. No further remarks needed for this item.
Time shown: 3,04,31
